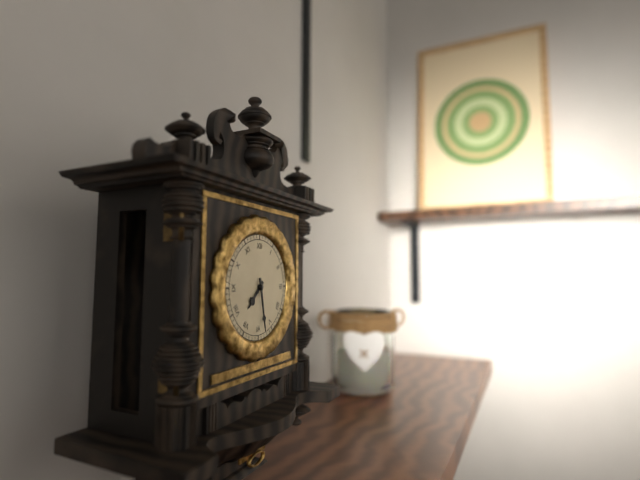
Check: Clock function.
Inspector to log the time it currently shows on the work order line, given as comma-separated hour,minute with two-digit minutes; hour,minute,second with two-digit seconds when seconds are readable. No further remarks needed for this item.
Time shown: 7,28
